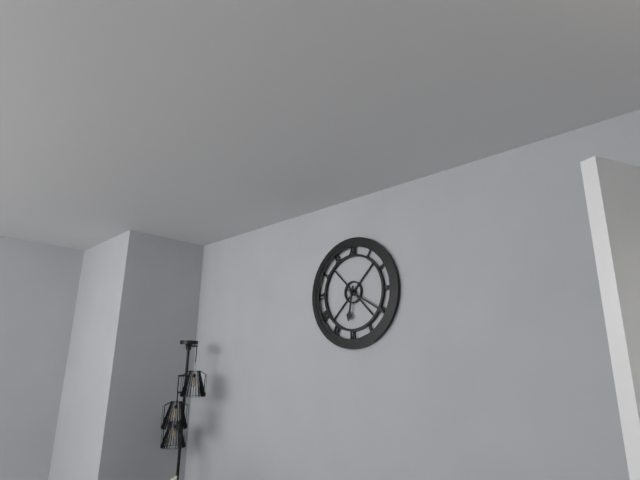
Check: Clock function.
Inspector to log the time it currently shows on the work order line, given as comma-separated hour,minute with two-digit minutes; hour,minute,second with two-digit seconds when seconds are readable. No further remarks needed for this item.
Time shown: 6,20
